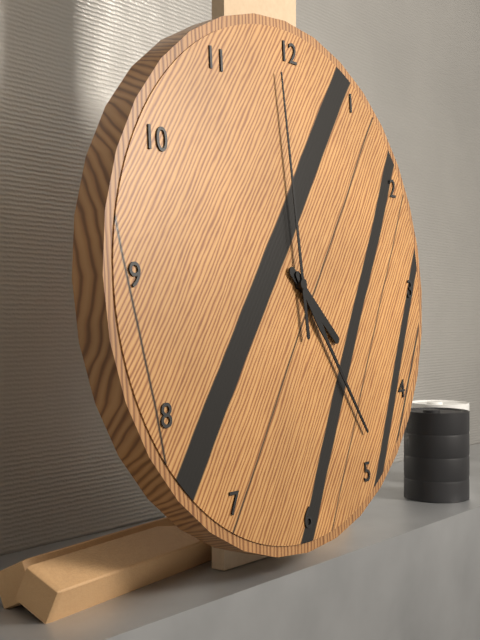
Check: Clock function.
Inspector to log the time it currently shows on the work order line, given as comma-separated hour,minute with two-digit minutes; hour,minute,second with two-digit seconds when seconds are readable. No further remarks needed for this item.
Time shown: 4,24,59
